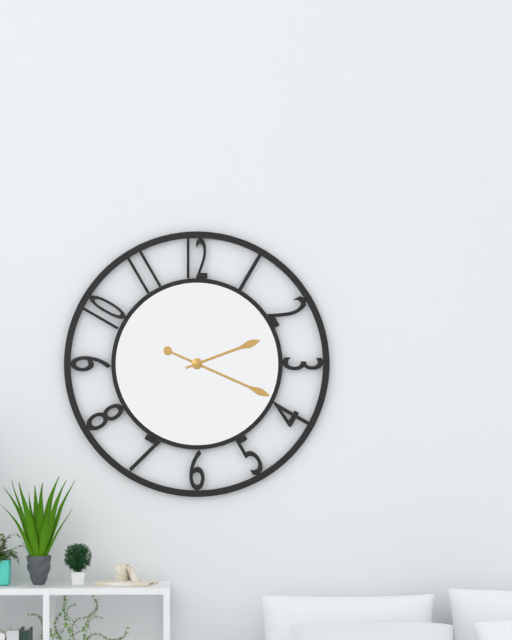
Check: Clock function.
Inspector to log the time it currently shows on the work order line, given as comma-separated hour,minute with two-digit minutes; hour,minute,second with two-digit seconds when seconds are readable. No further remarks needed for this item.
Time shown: 2,19
